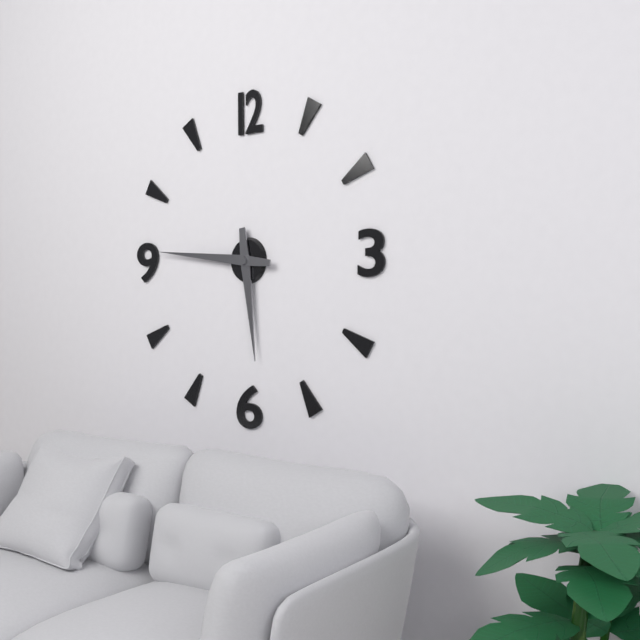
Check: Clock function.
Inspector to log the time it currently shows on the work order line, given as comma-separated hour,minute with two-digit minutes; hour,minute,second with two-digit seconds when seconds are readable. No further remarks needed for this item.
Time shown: 5,46
